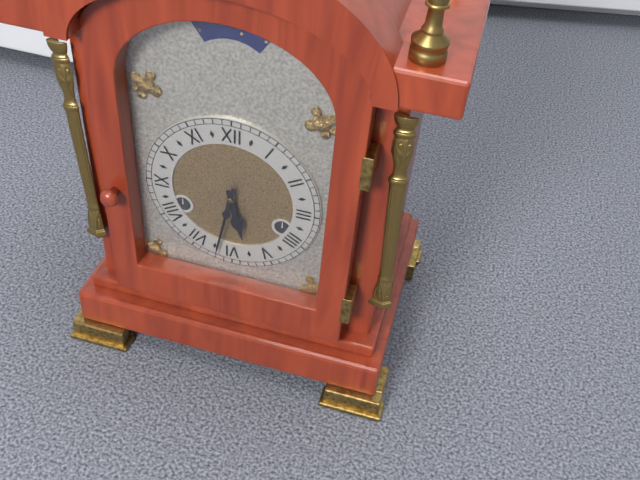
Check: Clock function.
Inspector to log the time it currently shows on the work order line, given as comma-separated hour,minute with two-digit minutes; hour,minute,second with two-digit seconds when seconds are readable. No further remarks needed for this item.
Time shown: 5,32
